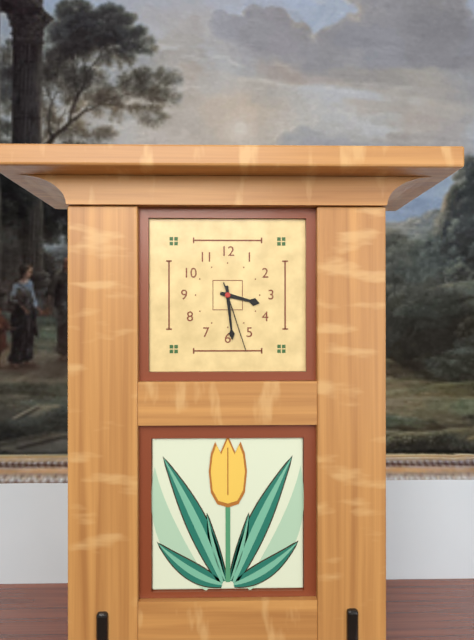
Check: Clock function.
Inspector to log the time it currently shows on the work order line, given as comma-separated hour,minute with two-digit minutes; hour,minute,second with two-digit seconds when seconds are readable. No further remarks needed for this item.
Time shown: 3,29,27
